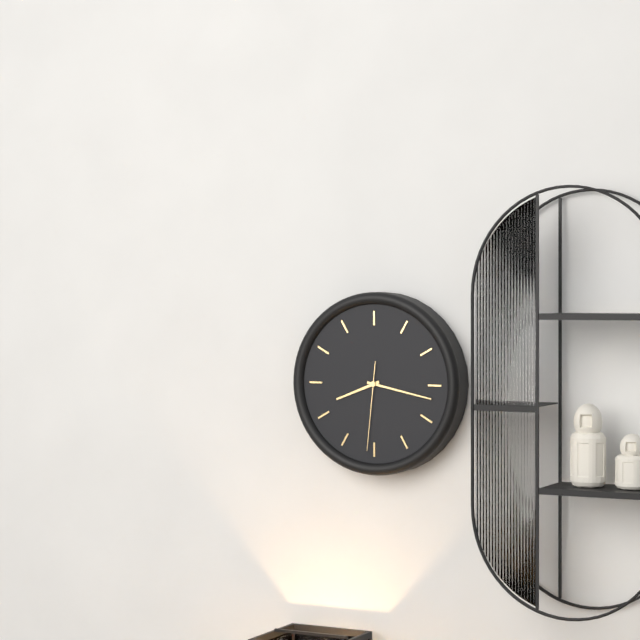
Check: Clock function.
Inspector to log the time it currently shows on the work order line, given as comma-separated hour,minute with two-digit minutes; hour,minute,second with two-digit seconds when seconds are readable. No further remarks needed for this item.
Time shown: 8,17,31
